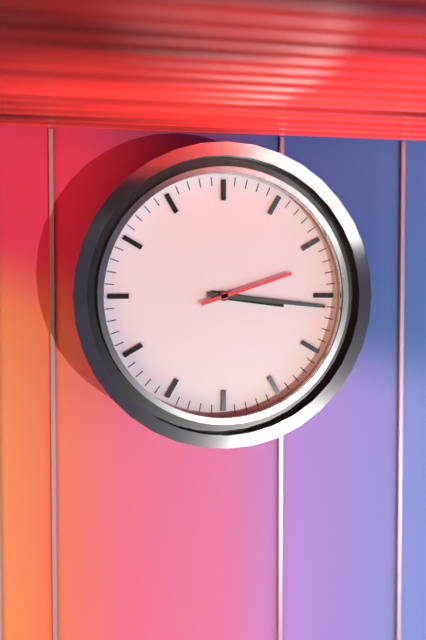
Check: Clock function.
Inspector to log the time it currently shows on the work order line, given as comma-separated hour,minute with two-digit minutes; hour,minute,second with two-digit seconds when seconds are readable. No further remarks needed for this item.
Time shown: 3,16,12
